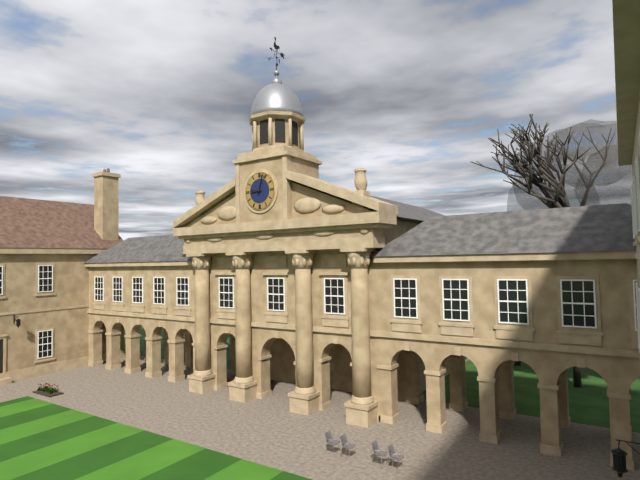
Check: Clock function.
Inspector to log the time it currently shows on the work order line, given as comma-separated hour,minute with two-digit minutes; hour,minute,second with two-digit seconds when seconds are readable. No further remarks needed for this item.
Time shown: 9,03
